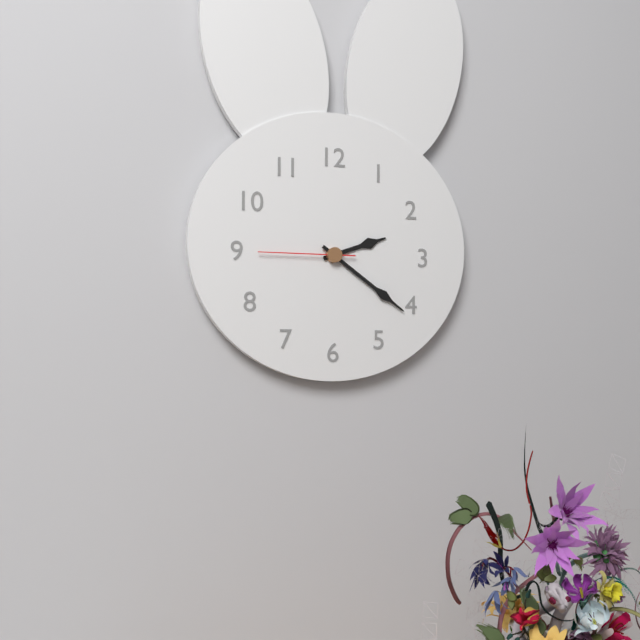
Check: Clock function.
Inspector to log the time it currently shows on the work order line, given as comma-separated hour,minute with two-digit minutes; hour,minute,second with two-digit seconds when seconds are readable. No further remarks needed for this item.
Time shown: 2,21,45
